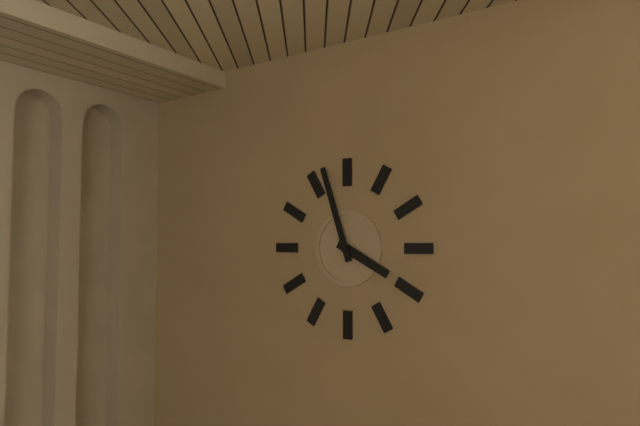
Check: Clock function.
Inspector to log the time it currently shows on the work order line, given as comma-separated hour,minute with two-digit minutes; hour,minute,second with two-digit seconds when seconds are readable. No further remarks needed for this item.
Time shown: 3,57
